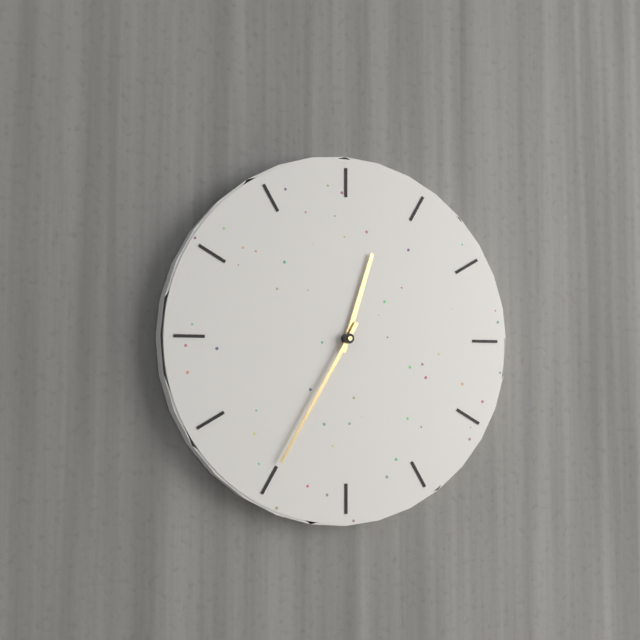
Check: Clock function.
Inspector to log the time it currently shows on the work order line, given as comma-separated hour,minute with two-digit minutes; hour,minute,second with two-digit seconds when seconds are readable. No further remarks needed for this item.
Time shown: 12,35
